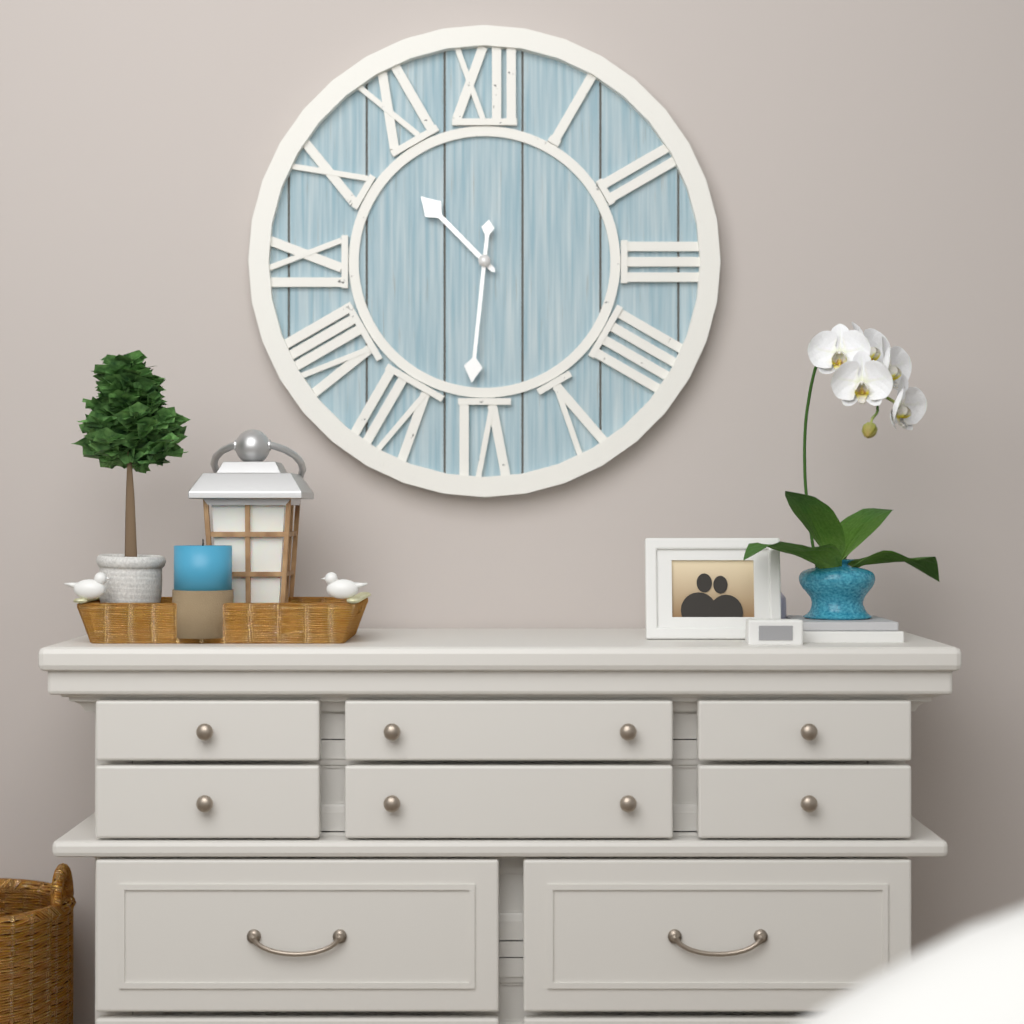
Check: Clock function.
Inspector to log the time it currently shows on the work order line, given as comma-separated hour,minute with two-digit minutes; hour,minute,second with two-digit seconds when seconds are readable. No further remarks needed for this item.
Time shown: 10,31
